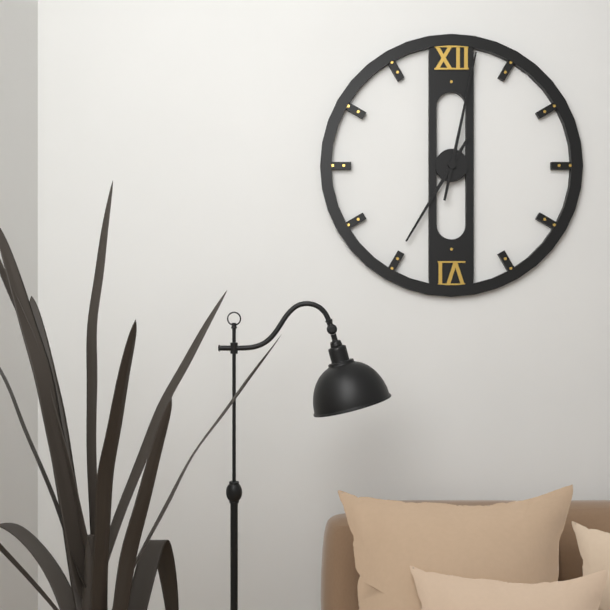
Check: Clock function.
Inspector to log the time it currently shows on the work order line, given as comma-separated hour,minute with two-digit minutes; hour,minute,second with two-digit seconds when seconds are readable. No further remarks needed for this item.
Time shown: 7,02
